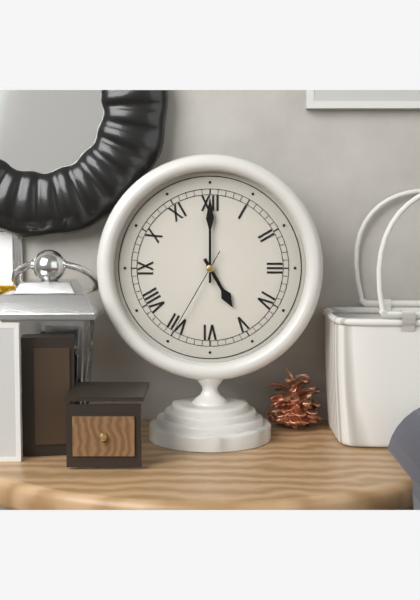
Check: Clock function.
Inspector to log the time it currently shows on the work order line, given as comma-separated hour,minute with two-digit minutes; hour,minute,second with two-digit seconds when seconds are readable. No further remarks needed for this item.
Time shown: 5,00,35
